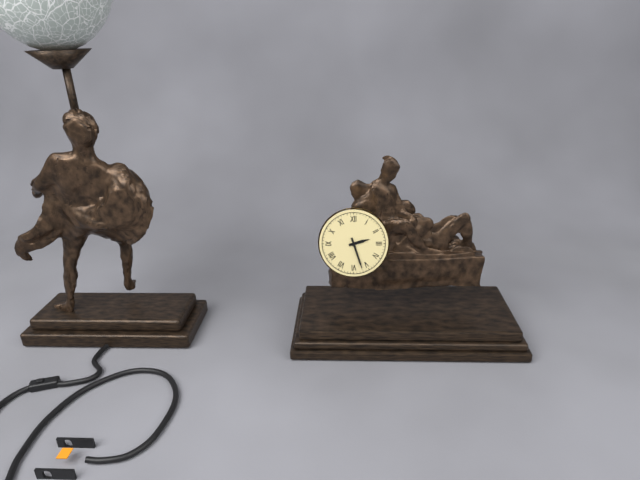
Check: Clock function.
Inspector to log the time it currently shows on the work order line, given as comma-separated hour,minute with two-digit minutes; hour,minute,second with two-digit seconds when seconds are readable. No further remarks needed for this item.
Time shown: 2,27
